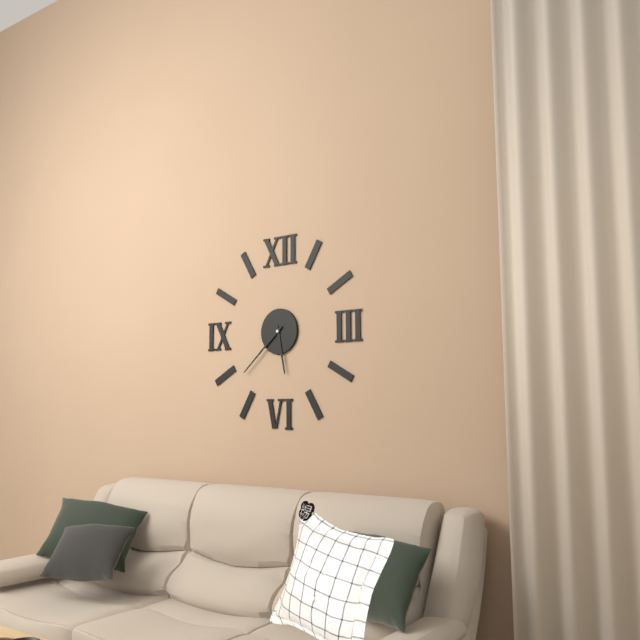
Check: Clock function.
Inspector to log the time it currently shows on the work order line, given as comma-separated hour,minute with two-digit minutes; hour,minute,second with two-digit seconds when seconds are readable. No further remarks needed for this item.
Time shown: 5,38
